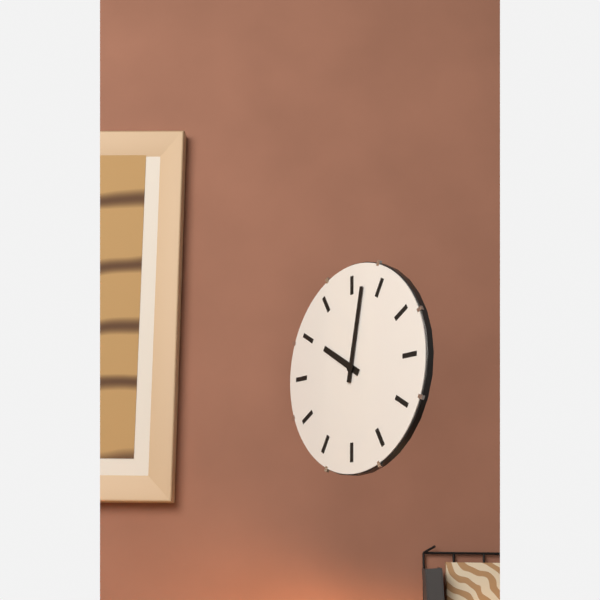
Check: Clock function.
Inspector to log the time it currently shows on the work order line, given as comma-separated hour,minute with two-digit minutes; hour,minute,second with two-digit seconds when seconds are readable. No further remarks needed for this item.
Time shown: 10,02
